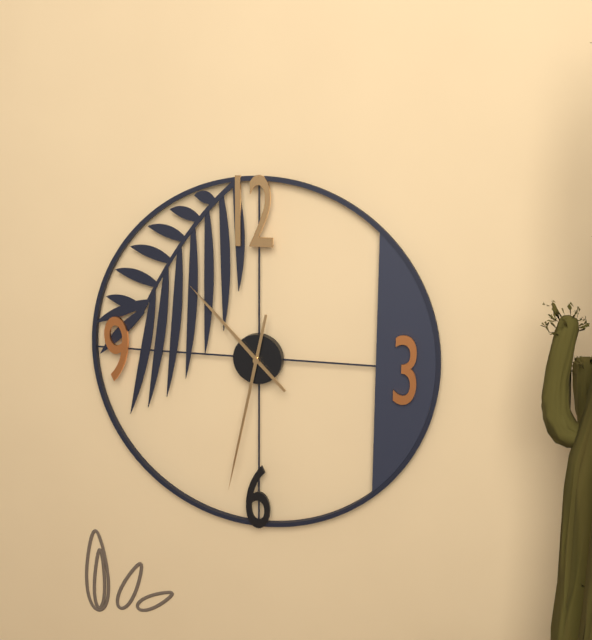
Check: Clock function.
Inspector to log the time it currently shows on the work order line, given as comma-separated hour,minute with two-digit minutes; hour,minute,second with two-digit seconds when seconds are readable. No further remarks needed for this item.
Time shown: 10,32
